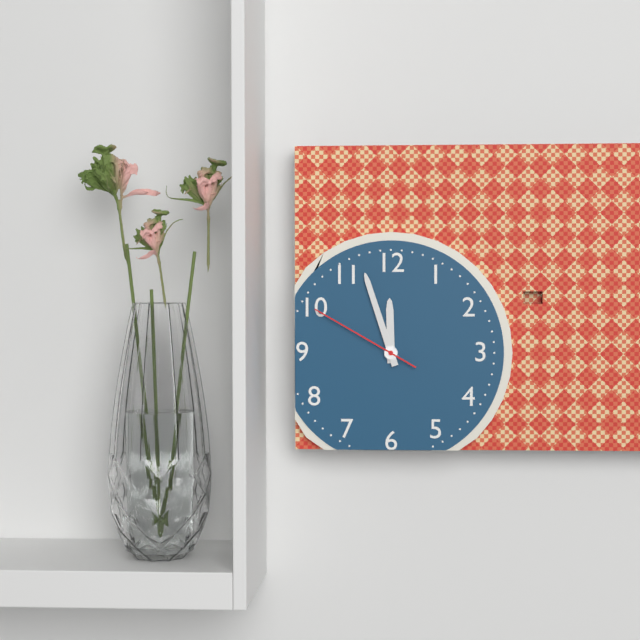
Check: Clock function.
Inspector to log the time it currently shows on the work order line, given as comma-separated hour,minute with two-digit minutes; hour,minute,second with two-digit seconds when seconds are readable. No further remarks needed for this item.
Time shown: 11,57,50
